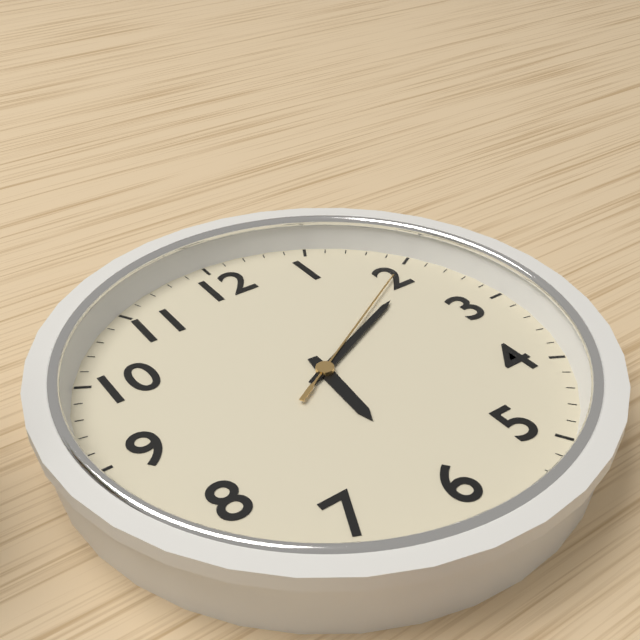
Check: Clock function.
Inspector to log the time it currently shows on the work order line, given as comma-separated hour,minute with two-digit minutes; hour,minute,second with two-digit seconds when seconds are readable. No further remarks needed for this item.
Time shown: 6,11,10
